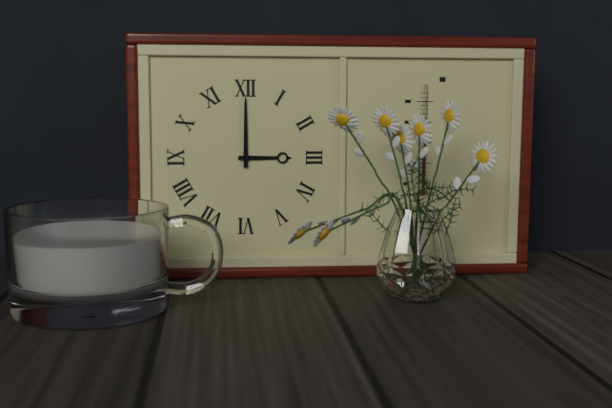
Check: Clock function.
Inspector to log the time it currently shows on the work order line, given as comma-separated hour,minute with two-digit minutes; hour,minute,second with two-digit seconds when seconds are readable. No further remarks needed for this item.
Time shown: 3,00
